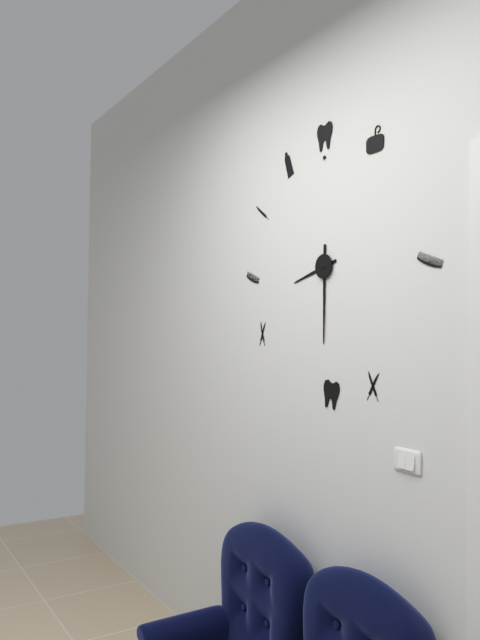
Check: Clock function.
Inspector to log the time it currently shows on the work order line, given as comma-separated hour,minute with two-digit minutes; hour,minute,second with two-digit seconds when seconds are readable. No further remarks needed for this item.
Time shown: 8,30
